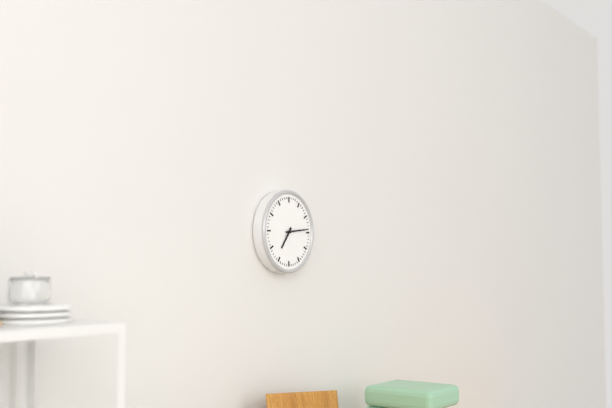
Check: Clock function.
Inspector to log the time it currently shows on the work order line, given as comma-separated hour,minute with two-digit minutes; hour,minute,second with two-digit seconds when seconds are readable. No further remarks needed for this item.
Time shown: 7,14
